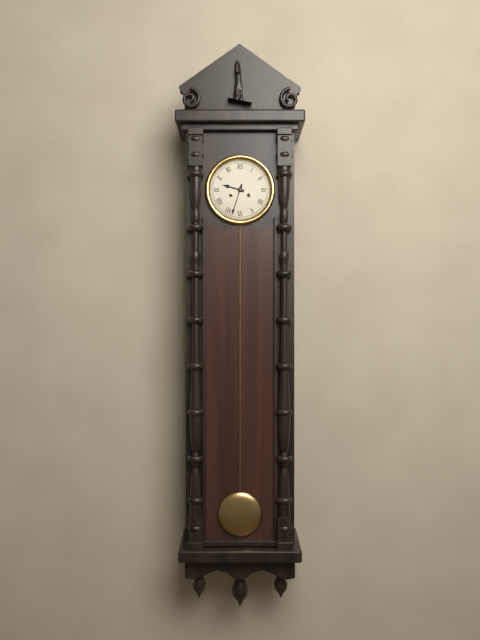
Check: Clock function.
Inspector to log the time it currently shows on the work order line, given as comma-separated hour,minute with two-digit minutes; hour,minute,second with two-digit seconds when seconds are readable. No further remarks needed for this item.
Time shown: 9,33
